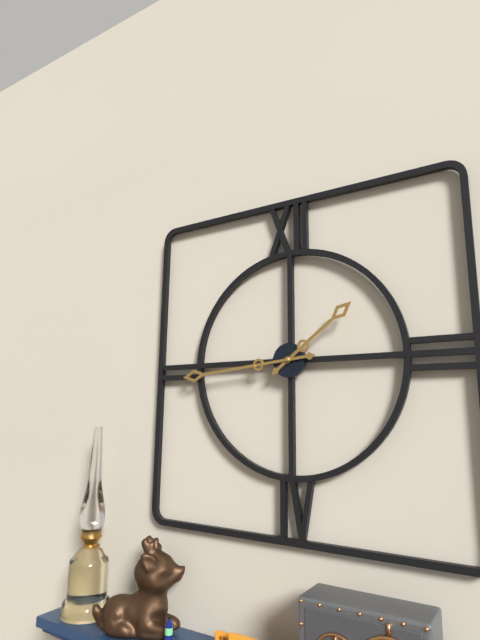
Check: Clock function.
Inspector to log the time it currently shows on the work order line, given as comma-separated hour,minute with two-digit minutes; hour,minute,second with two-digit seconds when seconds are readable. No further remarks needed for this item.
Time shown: 1,44
